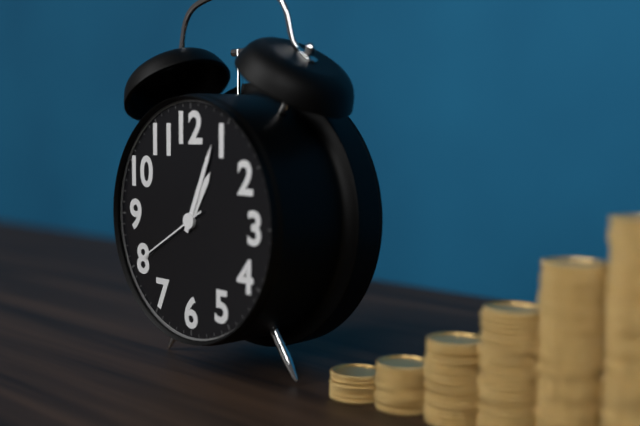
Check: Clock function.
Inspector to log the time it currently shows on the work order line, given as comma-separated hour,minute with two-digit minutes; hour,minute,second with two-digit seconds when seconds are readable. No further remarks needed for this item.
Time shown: 1,04,40
